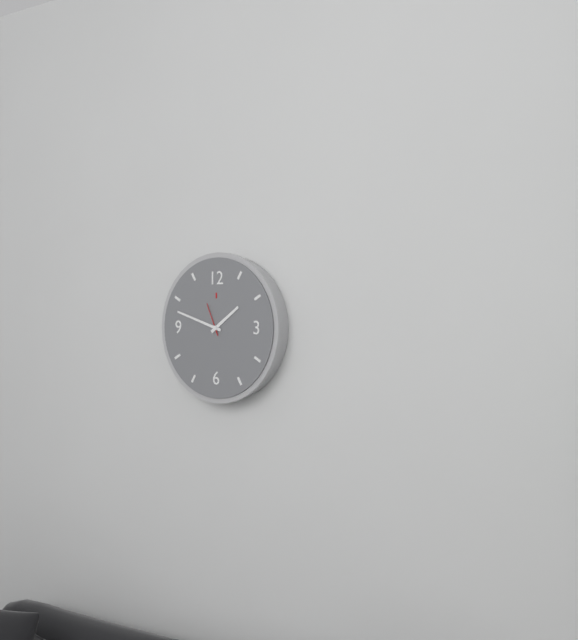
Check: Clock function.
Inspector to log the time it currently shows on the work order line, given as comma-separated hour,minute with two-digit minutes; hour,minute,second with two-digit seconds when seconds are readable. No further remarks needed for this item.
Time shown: 1,48
